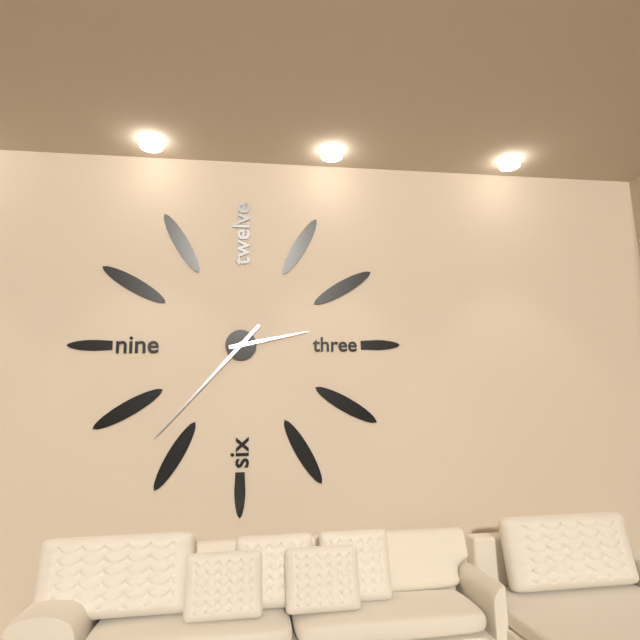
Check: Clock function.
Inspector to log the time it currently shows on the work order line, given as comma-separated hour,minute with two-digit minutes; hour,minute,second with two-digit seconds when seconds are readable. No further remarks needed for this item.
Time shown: 2,37
